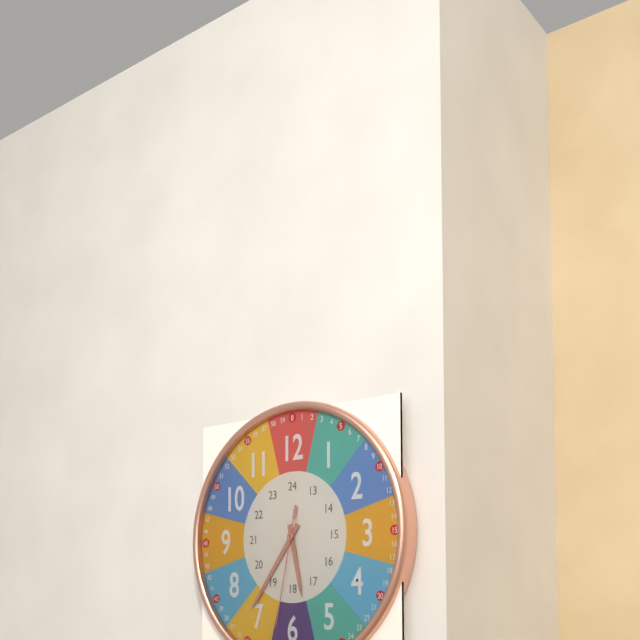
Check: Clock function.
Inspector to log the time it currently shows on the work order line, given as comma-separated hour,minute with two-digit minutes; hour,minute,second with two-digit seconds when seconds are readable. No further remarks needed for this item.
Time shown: 5,36,32
